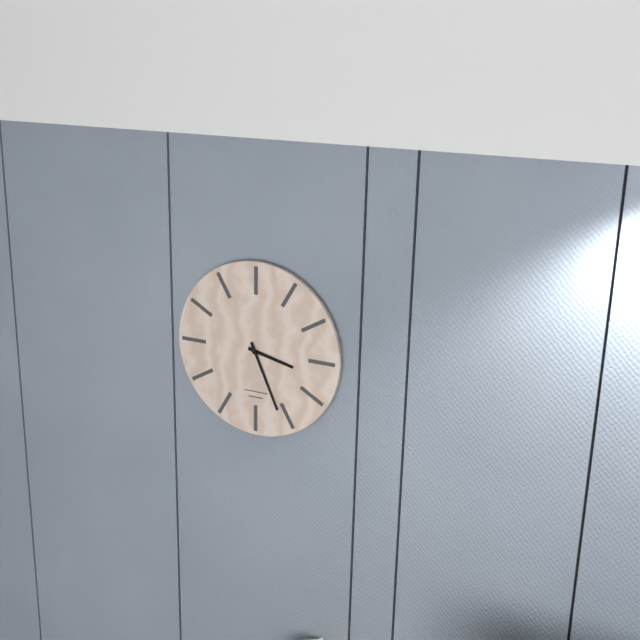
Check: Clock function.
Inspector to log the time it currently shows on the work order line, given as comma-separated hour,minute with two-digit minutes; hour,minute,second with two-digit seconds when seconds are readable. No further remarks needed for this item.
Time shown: 3,26
